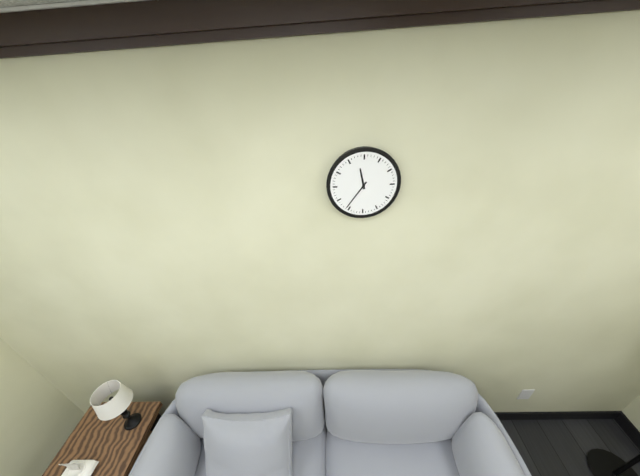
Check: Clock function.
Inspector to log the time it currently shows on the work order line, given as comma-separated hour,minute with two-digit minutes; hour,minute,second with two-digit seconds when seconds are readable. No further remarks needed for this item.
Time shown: 11,36
